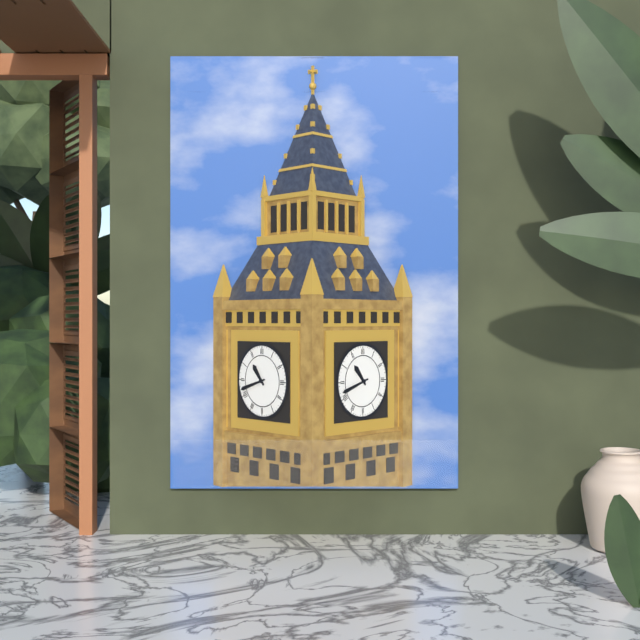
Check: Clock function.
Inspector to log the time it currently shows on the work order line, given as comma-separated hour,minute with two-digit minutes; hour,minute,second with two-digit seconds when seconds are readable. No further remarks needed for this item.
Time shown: 10,42
